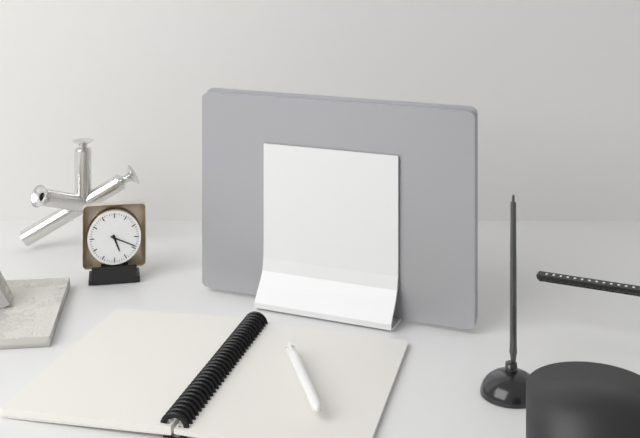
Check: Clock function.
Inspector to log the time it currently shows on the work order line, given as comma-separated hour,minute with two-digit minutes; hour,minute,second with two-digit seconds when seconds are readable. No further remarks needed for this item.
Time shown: 5,19
